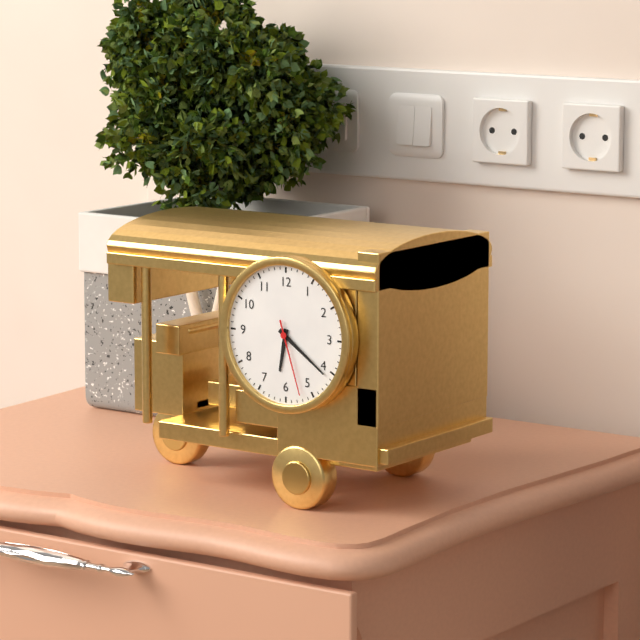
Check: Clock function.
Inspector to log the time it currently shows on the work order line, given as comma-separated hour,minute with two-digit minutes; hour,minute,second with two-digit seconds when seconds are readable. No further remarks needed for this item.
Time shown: 6,21,27
